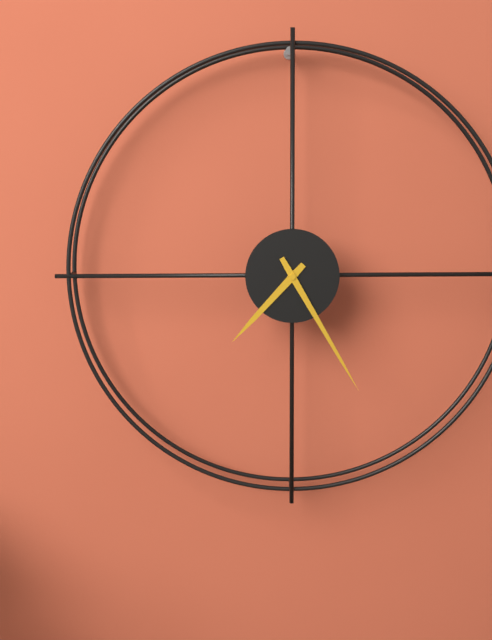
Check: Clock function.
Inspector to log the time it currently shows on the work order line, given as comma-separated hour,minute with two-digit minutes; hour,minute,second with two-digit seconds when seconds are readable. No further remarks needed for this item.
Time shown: 7,25
